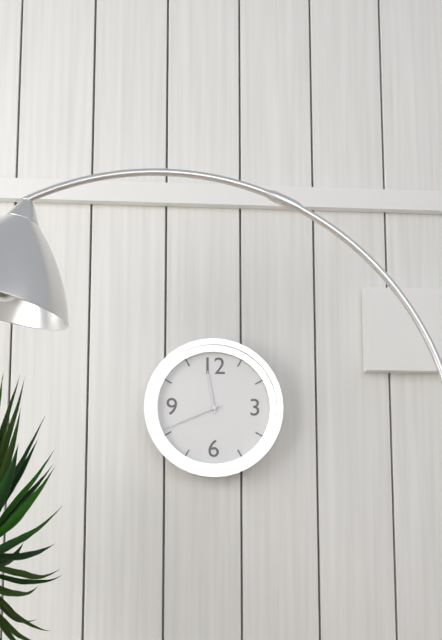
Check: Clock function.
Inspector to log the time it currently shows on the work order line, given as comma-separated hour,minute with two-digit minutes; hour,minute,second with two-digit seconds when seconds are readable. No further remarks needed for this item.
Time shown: 11,41
